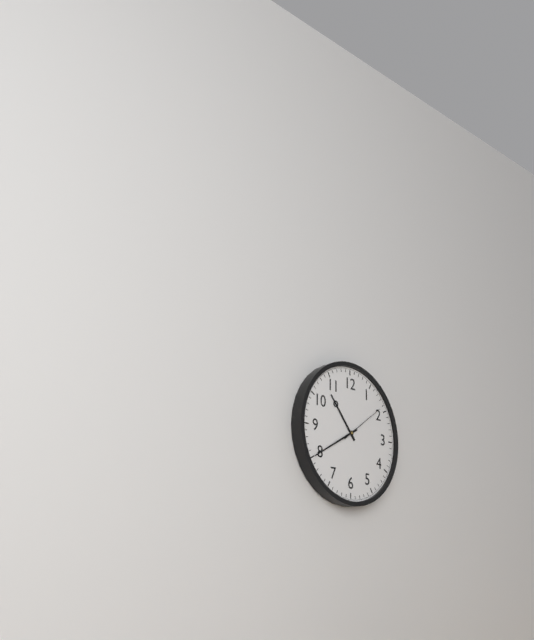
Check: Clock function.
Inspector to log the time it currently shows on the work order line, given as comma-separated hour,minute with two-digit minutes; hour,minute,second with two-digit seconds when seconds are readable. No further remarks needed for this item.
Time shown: 10,40
